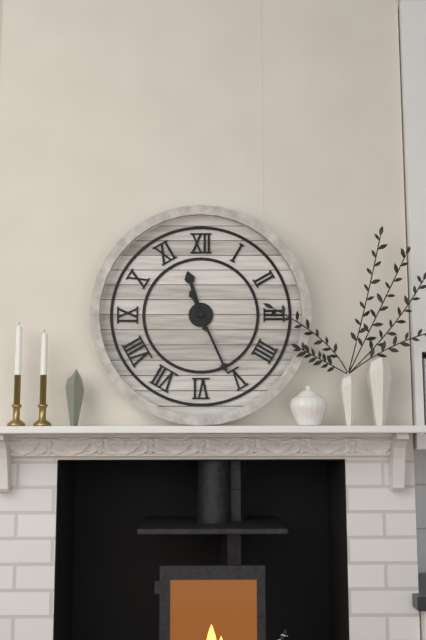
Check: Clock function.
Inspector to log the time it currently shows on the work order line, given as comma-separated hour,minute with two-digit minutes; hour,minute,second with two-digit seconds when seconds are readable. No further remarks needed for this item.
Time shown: 11,26
